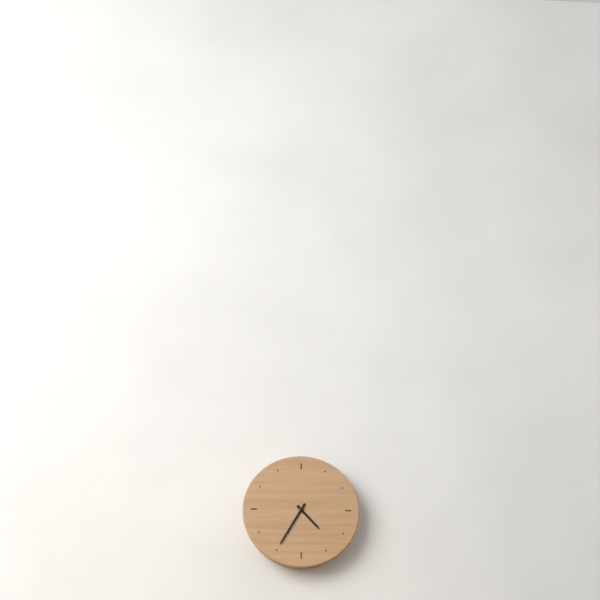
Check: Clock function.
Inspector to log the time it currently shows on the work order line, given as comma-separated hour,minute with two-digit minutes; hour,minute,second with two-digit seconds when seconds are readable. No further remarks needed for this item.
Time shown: 4,35
